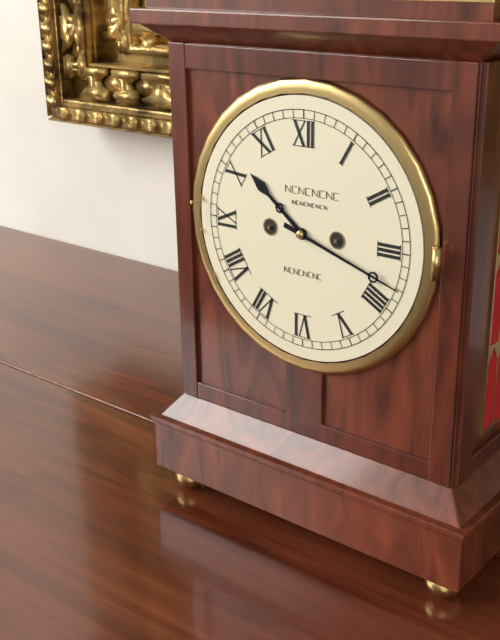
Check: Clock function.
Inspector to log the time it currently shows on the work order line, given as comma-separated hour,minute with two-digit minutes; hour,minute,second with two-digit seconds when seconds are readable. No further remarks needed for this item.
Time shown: 10,18
